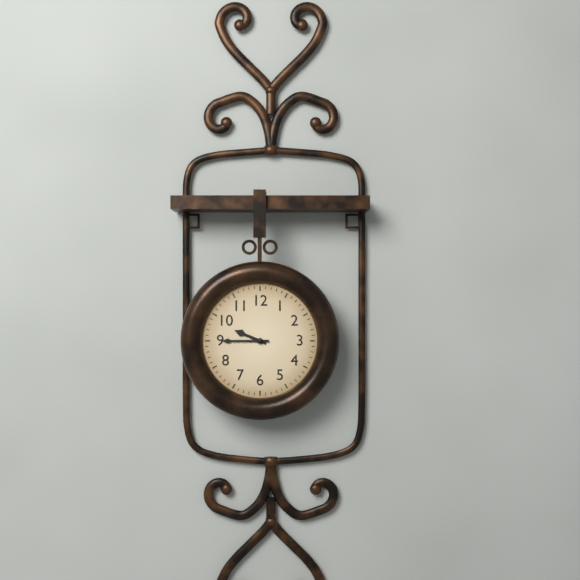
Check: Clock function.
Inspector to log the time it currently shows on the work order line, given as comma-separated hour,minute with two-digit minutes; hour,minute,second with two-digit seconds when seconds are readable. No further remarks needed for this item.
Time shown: 9,45
